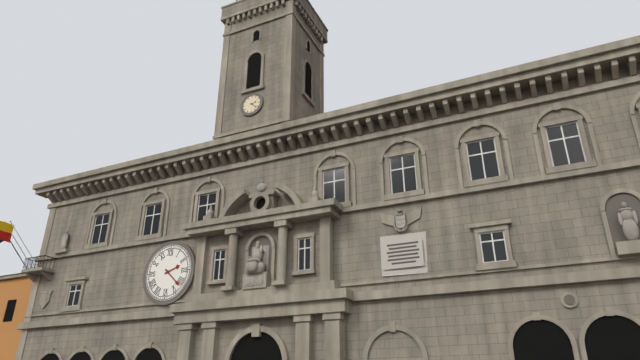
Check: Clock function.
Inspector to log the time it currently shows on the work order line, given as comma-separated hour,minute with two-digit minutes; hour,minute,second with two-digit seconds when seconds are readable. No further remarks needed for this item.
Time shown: 2,22
